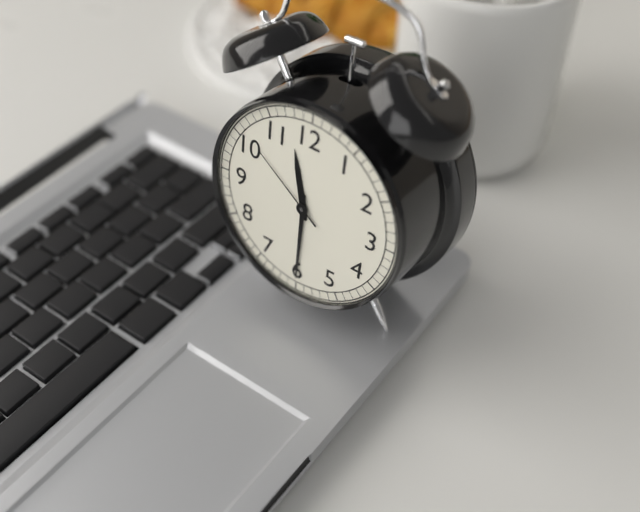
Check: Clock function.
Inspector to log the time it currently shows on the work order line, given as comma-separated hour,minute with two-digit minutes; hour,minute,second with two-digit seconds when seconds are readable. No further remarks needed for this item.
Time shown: 11,30,51
